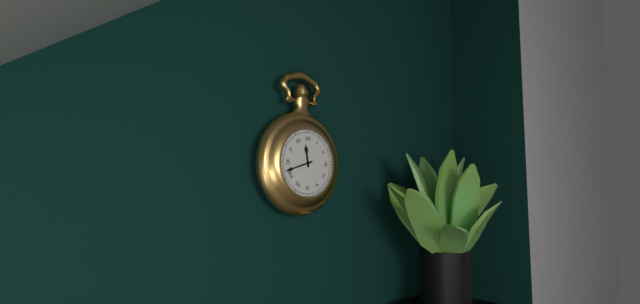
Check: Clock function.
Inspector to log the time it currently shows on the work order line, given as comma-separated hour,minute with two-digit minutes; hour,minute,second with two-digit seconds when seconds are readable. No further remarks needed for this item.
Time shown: 11,42
